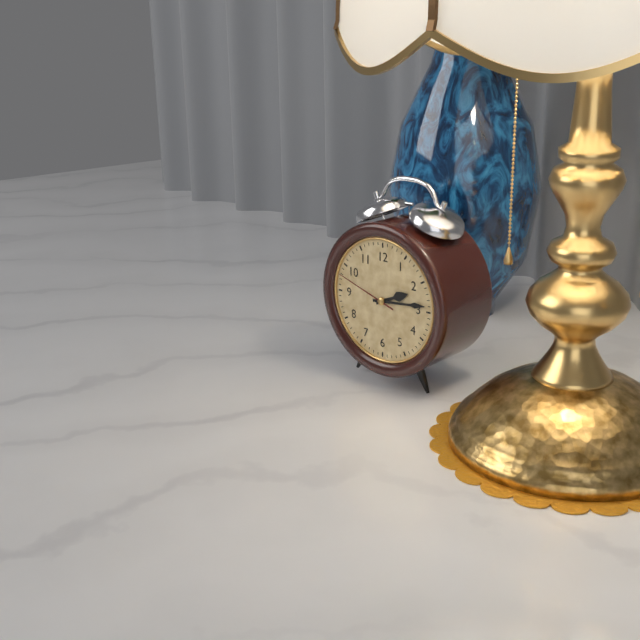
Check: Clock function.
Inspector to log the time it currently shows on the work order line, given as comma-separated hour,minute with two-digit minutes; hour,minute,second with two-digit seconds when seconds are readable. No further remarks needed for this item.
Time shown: 2,14,48
